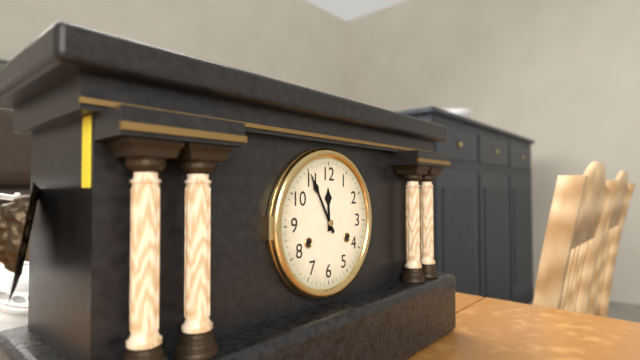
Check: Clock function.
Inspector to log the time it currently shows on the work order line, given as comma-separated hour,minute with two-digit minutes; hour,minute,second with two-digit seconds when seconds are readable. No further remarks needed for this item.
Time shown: 11,55
